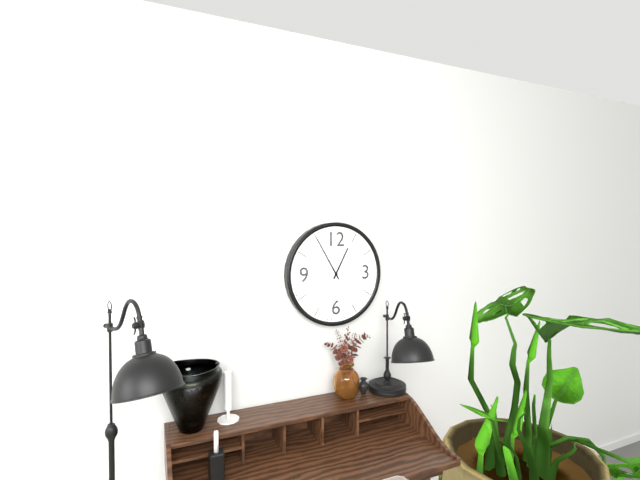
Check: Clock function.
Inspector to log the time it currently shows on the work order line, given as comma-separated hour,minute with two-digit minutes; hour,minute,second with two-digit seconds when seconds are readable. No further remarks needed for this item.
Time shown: 12,55
